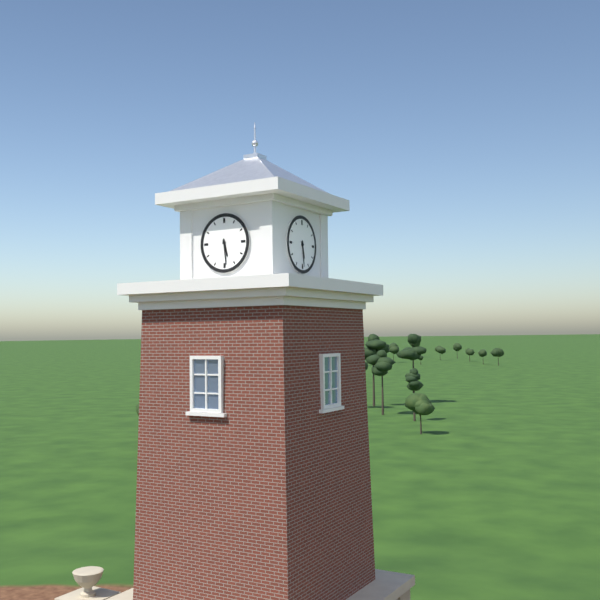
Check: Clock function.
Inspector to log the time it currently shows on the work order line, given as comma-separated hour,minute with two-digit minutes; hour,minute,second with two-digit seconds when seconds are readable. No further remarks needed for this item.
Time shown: 5,29
